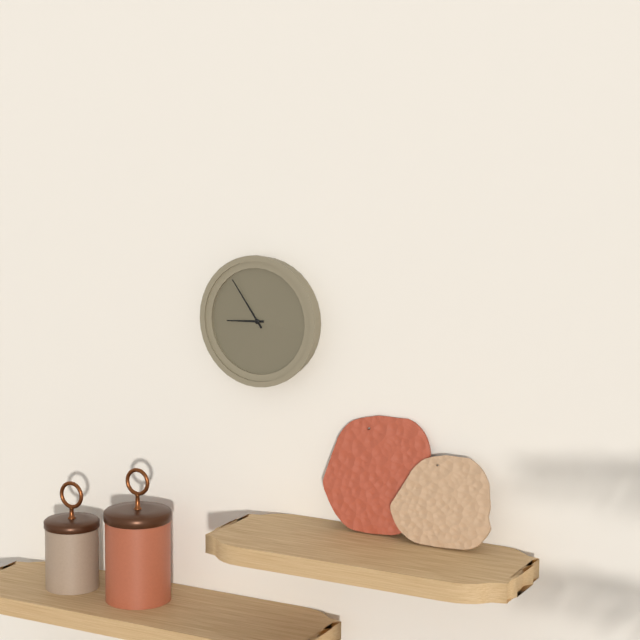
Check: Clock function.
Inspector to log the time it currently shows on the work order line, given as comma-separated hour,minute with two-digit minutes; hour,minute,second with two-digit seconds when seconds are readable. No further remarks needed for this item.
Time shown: 8,54
